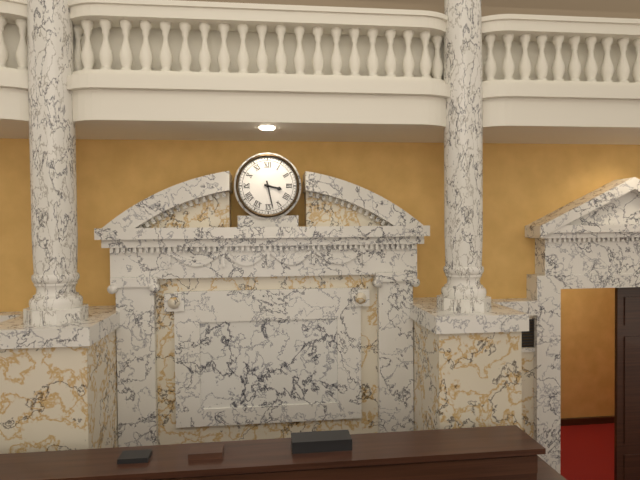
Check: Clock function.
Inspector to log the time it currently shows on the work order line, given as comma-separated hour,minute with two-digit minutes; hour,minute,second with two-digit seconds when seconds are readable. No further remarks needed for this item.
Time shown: 3,28
